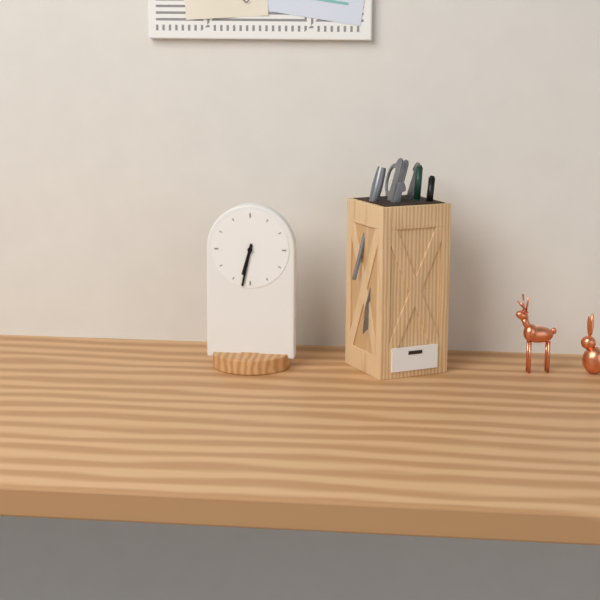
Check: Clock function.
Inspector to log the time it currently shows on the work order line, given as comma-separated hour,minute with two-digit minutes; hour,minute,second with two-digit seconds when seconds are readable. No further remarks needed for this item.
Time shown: 6,32
